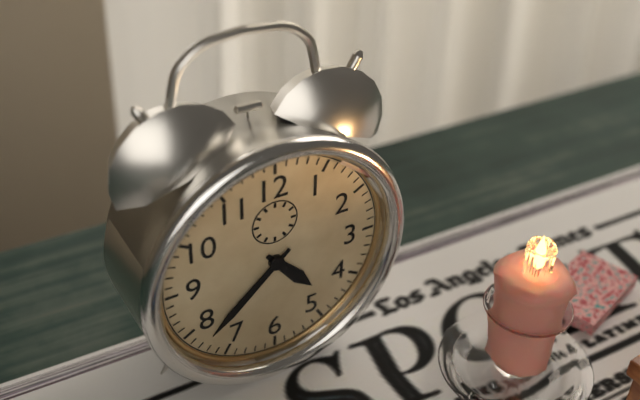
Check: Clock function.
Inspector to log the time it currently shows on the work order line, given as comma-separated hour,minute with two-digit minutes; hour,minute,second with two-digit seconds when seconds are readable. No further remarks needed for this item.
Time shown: 4,38
